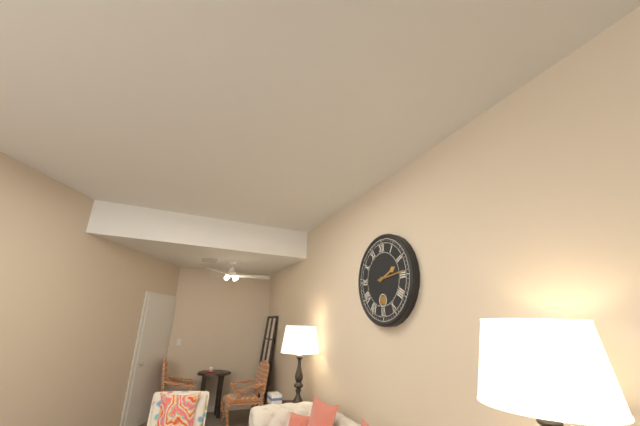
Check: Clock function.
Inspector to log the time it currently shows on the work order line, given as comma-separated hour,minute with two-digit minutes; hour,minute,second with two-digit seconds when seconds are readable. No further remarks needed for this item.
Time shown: 2,14
